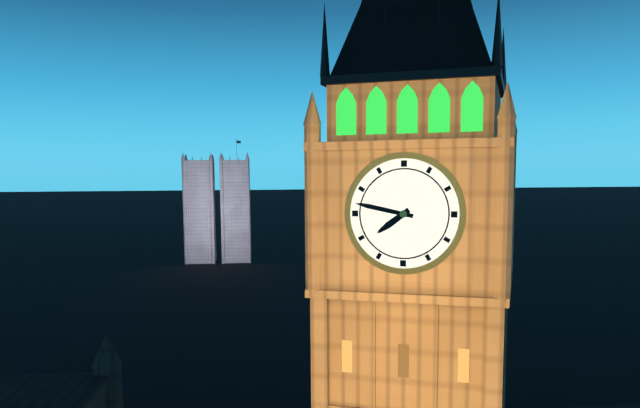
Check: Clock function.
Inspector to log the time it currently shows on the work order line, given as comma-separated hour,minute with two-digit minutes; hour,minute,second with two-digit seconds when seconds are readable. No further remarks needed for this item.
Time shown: 7,47
